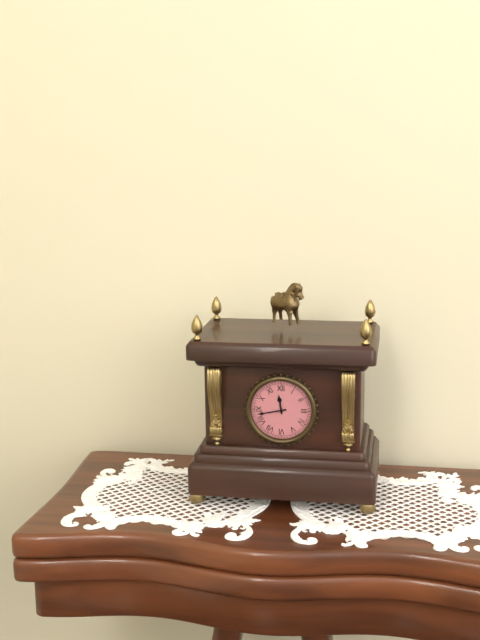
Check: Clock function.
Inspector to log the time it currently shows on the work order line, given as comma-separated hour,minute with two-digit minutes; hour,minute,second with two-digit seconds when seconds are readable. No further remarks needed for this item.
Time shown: 11,43
